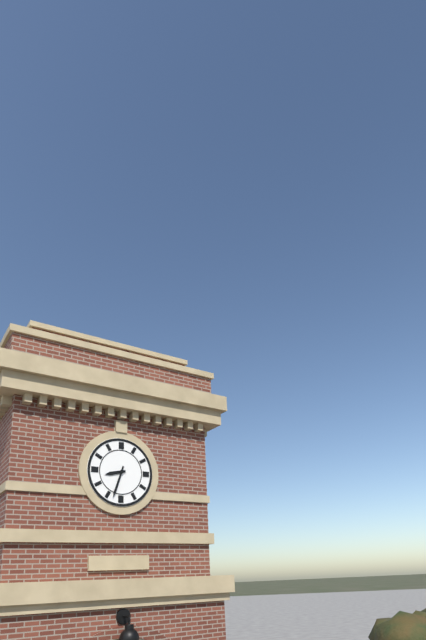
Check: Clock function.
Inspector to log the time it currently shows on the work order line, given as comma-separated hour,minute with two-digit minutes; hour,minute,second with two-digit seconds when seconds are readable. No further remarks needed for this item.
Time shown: 8,33
